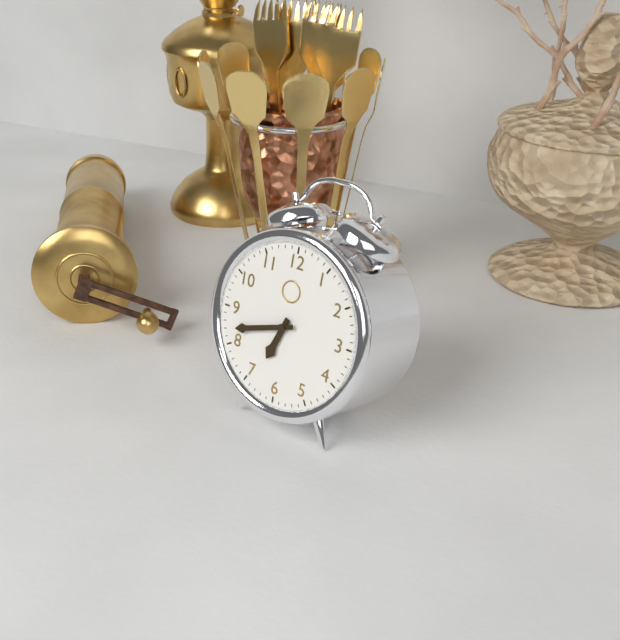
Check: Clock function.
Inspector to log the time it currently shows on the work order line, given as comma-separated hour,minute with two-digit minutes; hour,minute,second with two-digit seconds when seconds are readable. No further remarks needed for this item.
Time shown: 6,42
